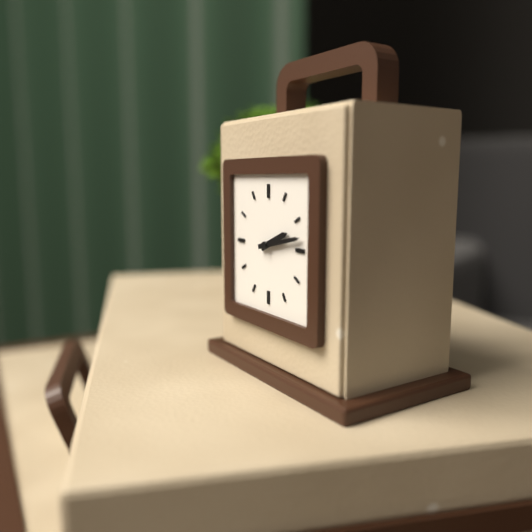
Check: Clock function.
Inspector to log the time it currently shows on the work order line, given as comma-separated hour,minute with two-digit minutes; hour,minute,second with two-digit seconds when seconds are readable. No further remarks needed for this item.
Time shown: 2,13
